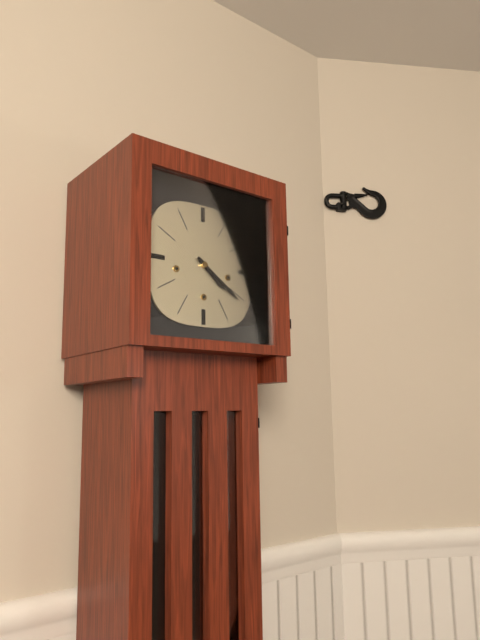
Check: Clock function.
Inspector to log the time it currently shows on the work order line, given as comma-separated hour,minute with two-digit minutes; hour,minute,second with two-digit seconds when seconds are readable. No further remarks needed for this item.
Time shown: 4,21
